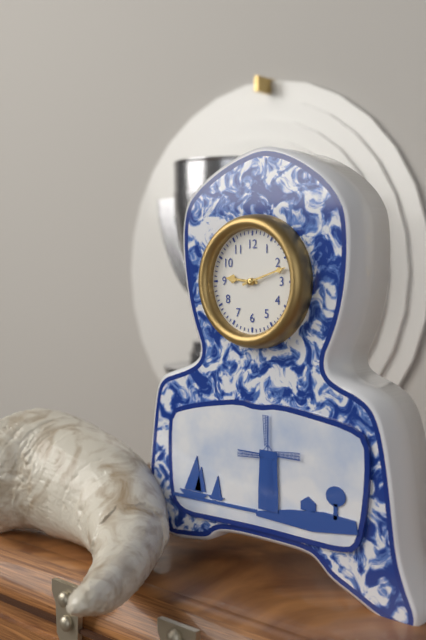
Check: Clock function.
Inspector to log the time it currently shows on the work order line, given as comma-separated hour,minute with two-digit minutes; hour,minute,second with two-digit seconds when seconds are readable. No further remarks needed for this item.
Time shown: 9,12
